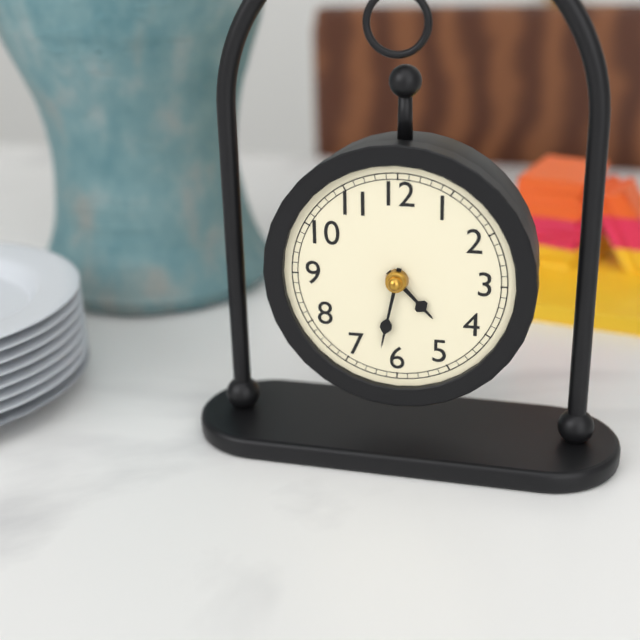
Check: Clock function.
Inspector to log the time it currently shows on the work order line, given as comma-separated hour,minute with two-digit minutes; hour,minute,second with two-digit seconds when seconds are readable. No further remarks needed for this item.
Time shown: 4,32
